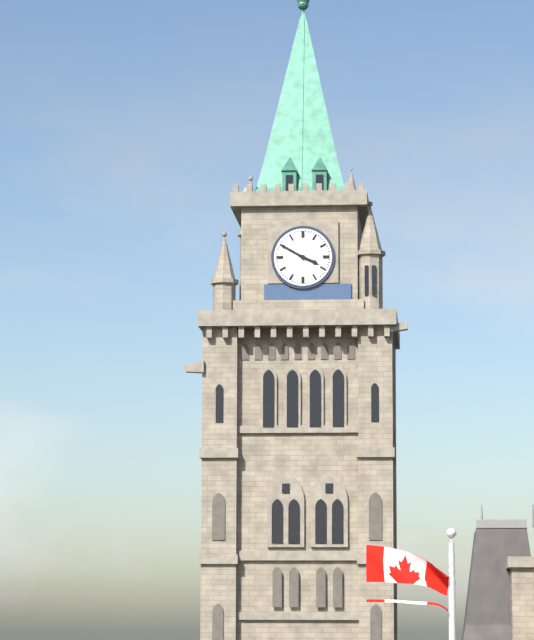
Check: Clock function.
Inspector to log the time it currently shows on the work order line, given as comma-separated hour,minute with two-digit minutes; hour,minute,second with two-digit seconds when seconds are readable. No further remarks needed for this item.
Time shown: 3,50
